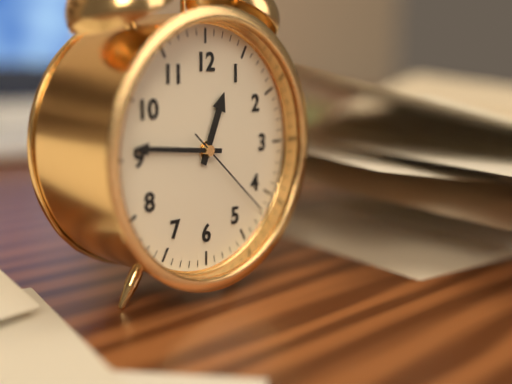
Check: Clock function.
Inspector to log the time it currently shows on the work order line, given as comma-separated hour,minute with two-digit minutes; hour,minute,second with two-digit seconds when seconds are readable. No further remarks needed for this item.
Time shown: 12,46,22
